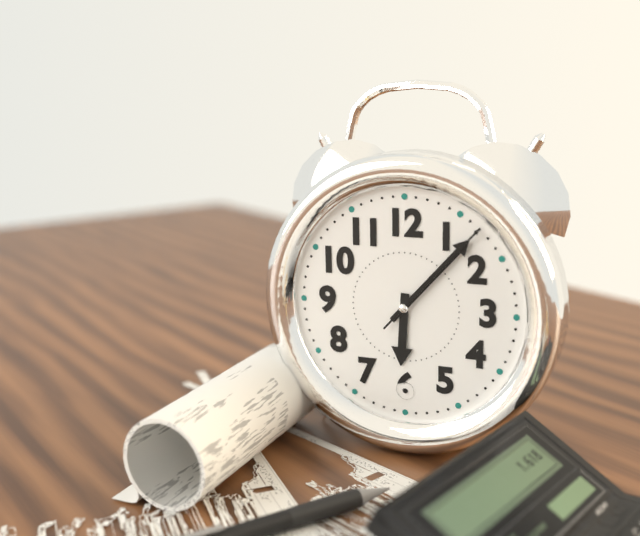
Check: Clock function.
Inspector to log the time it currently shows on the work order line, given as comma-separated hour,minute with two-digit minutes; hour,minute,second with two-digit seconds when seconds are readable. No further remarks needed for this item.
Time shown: 6,07,07
